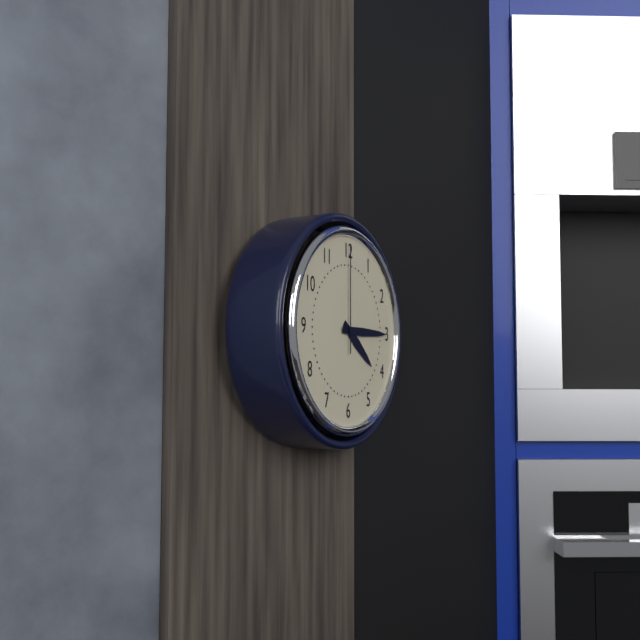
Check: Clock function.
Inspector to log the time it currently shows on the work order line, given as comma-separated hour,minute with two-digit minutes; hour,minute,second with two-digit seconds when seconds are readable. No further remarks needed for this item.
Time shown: 4,15,00
